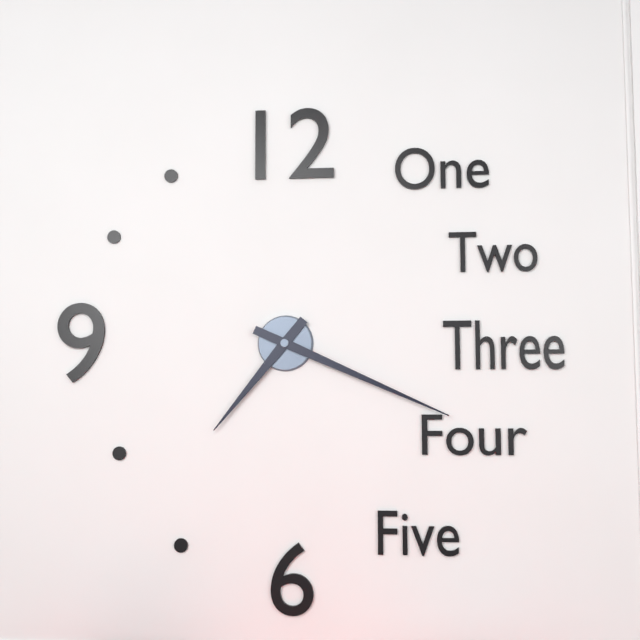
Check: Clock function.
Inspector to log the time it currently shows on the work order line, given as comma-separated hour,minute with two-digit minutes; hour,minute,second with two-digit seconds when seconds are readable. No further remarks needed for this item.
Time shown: 7,19
